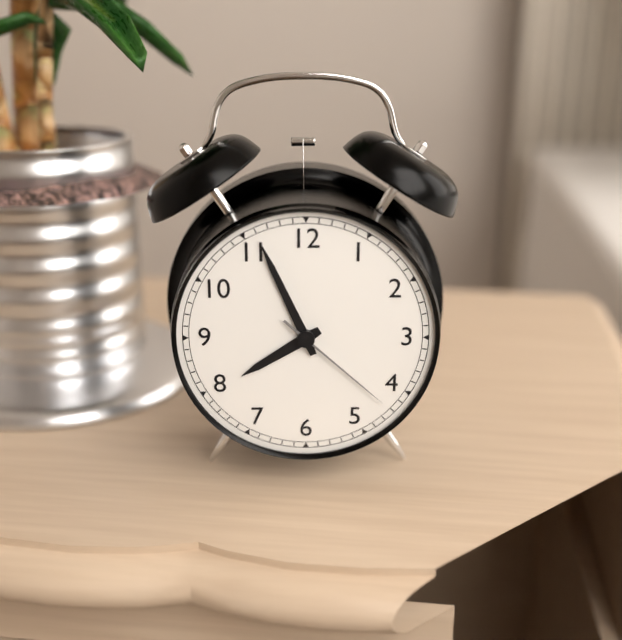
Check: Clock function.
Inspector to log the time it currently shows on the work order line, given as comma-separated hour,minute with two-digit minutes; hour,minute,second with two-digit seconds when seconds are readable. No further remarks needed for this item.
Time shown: 7,56,22
